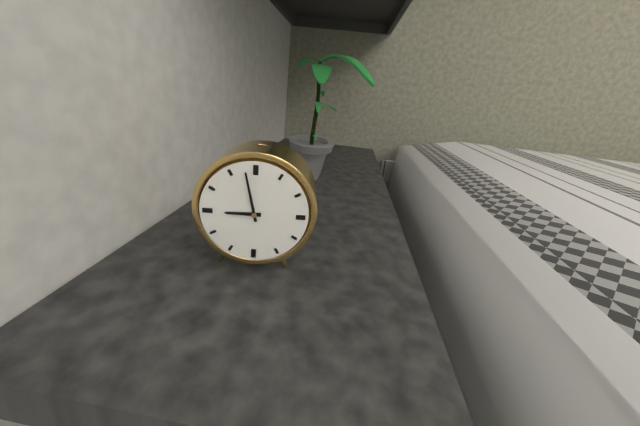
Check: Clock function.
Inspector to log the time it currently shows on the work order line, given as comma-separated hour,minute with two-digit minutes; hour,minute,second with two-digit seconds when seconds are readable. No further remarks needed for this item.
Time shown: 8,58
